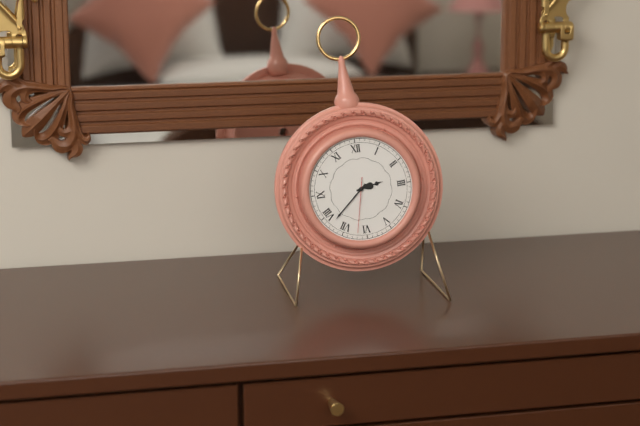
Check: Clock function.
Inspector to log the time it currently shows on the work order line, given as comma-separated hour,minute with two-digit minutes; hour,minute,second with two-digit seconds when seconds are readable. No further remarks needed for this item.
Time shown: 2,38,32
